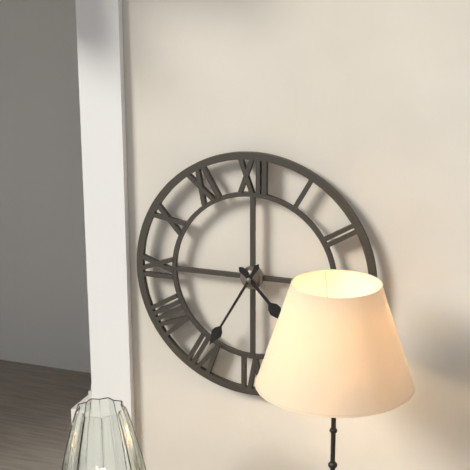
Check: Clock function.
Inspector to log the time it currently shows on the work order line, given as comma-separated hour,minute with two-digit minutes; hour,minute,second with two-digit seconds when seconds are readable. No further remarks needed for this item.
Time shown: 4,35
